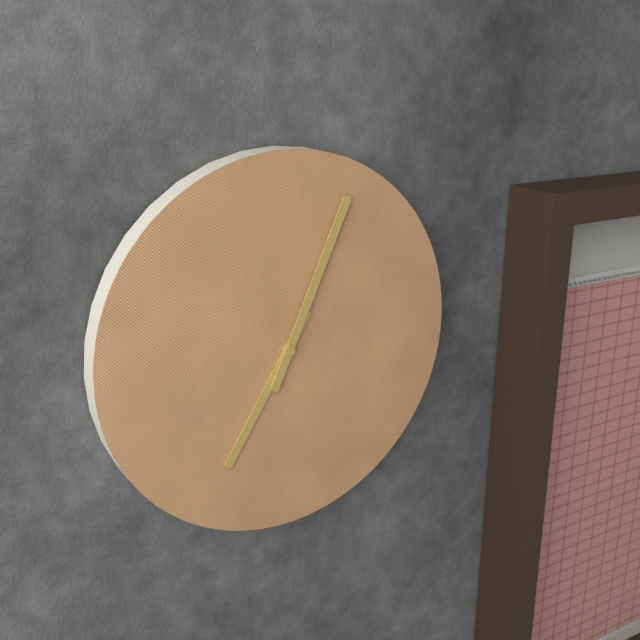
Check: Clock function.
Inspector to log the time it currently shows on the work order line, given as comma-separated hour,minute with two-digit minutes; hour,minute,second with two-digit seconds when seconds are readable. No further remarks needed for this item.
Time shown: 7,04
